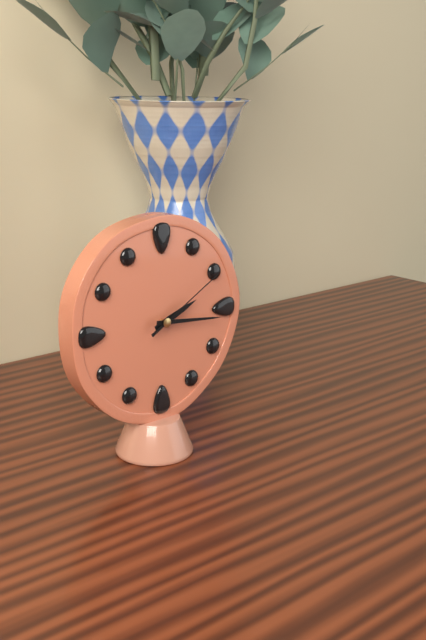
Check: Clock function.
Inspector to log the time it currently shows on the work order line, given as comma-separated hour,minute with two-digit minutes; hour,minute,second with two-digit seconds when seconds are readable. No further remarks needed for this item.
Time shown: 2,16,10
